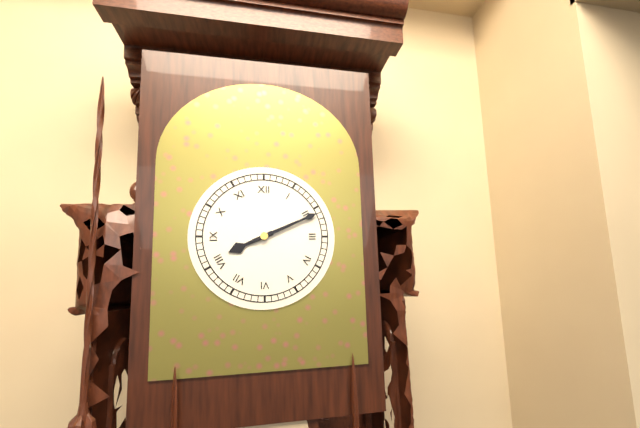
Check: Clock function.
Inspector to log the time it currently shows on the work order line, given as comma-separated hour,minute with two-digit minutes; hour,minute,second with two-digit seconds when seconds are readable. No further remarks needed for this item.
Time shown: 8,11
